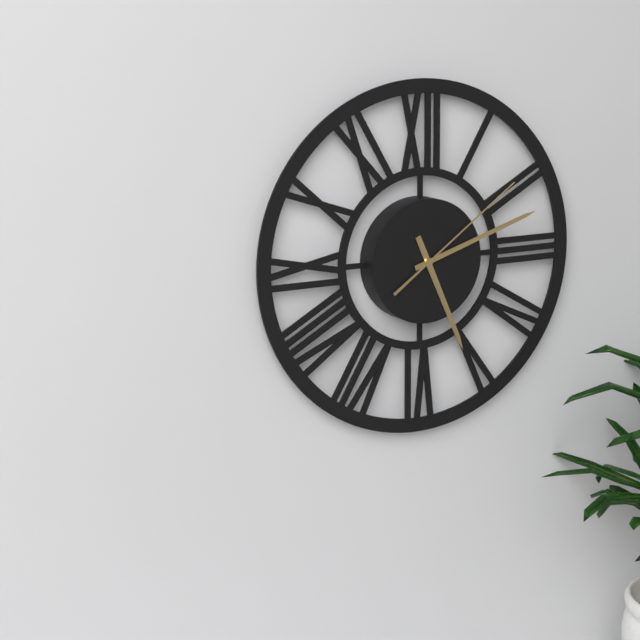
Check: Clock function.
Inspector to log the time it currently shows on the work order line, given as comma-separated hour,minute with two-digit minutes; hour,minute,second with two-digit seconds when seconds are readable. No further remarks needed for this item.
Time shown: 5,12,09
